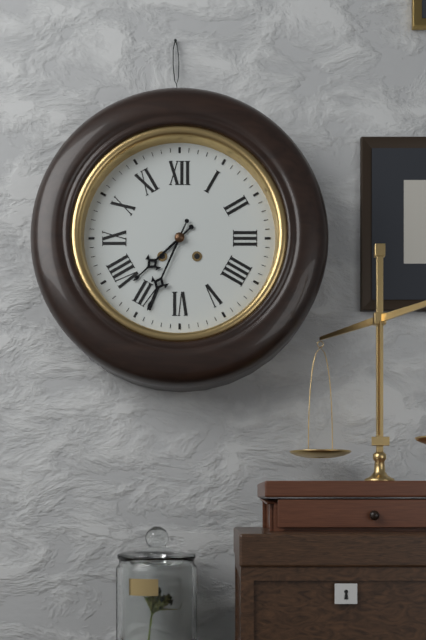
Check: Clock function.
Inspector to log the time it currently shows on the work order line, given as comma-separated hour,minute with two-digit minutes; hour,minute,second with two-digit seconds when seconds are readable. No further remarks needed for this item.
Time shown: 7,34
